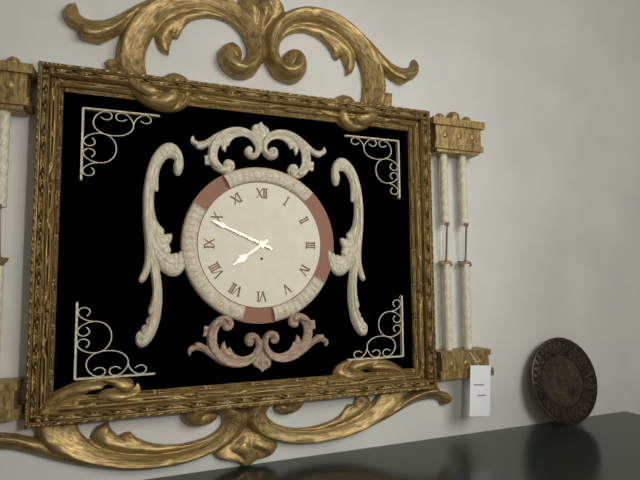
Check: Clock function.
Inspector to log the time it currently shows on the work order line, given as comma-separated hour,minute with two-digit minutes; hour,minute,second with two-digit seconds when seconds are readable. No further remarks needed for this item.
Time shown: 7,49
